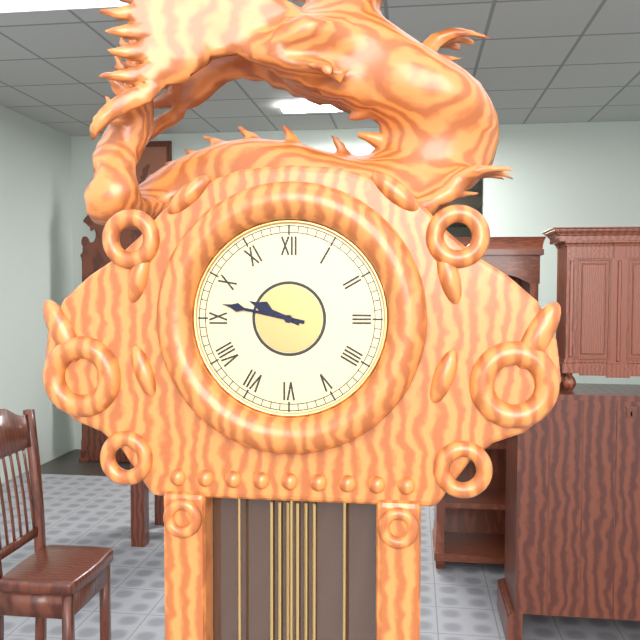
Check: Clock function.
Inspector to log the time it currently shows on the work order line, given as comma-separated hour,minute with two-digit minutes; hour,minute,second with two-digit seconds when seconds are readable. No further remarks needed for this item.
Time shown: 9,47
